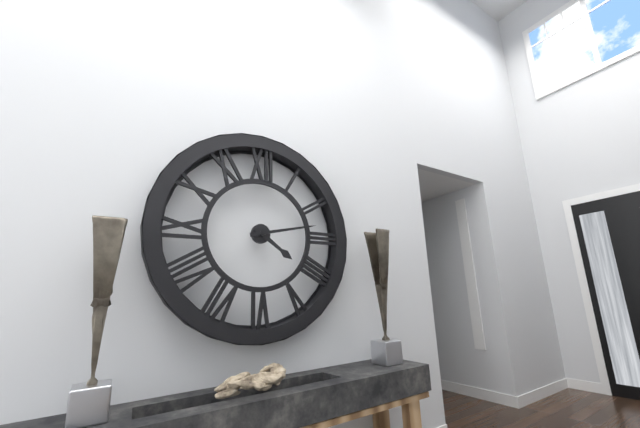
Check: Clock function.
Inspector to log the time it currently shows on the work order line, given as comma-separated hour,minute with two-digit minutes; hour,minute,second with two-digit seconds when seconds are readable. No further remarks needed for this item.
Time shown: 4,13
